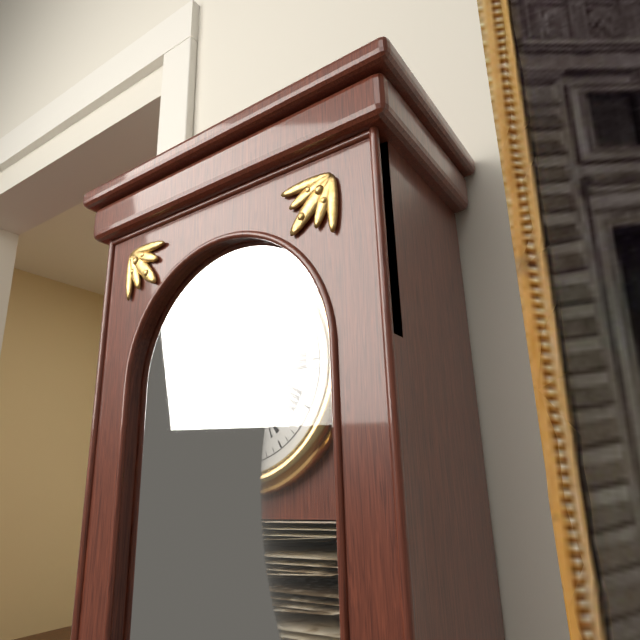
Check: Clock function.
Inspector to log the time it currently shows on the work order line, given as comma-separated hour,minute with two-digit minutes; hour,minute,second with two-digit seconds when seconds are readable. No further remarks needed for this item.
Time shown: 2,52
